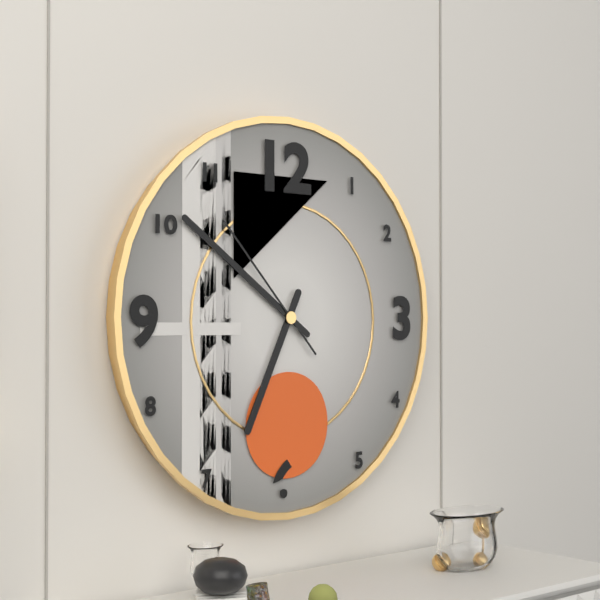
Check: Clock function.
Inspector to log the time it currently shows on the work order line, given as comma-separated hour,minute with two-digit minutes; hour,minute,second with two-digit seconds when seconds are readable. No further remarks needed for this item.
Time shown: 6,51,53
